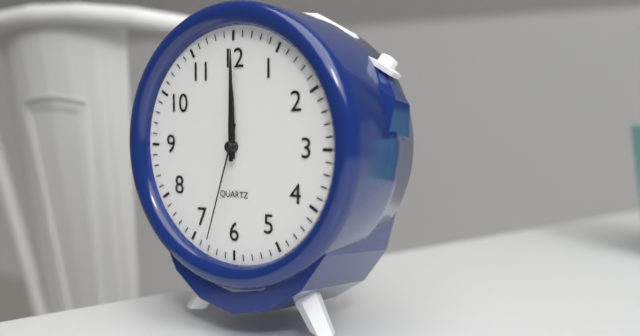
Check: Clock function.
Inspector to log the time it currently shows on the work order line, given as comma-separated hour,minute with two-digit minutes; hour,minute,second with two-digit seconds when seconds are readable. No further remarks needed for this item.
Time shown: 12,00,33
